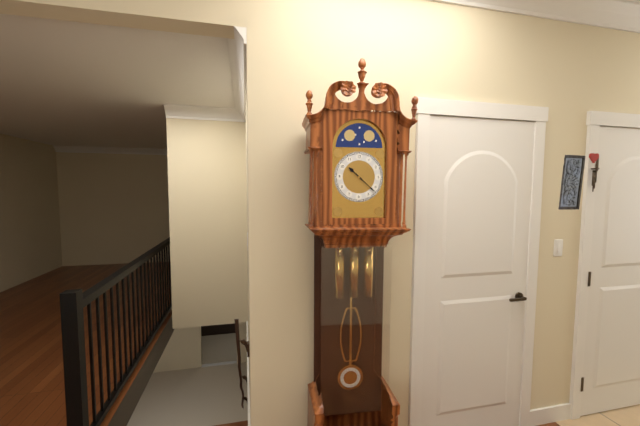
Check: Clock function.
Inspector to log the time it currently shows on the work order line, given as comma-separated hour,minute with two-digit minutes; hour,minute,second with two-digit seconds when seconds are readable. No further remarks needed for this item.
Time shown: 10,22
